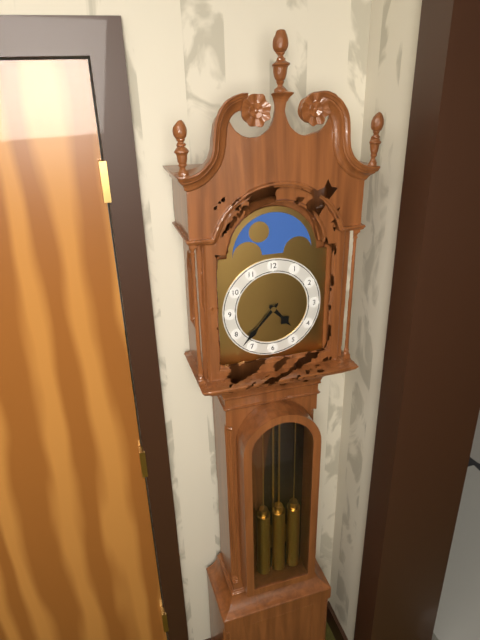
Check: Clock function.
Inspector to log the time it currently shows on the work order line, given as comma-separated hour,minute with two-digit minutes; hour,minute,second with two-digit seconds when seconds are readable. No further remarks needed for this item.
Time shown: 4,37
